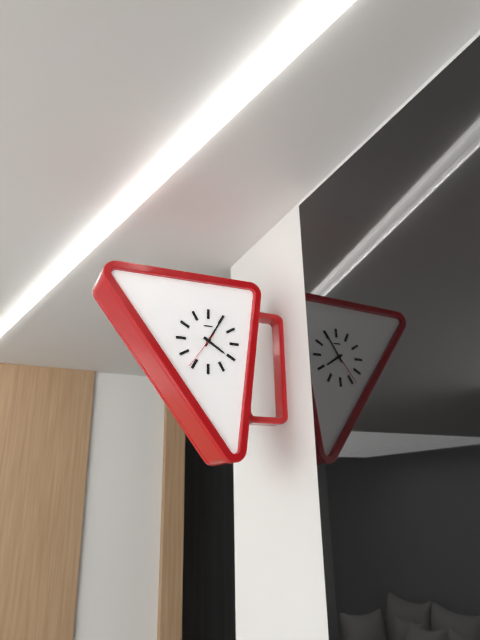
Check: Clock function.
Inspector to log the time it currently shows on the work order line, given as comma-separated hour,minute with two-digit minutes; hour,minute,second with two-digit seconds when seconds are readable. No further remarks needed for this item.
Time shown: 4,05
